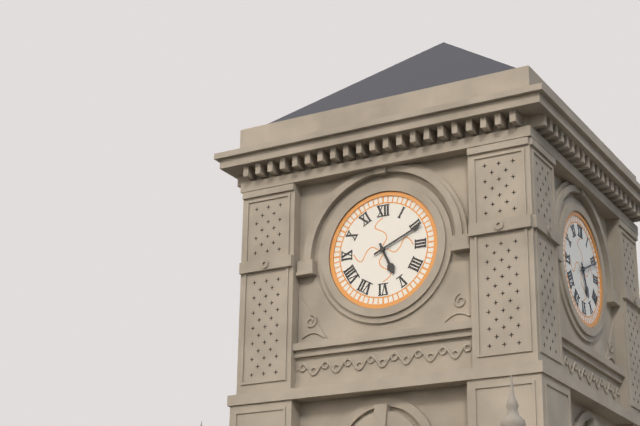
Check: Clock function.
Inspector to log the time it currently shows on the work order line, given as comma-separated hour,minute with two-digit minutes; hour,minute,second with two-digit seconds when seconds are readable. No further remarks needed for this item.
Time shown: 5,11
